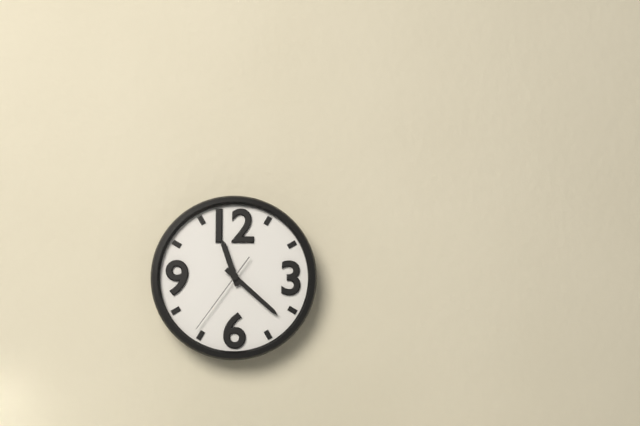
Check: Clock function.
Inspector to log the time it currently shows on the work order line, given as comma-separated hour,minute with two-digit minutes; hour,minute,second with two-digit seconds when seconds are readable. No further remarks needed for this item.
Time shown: 11,22,36
